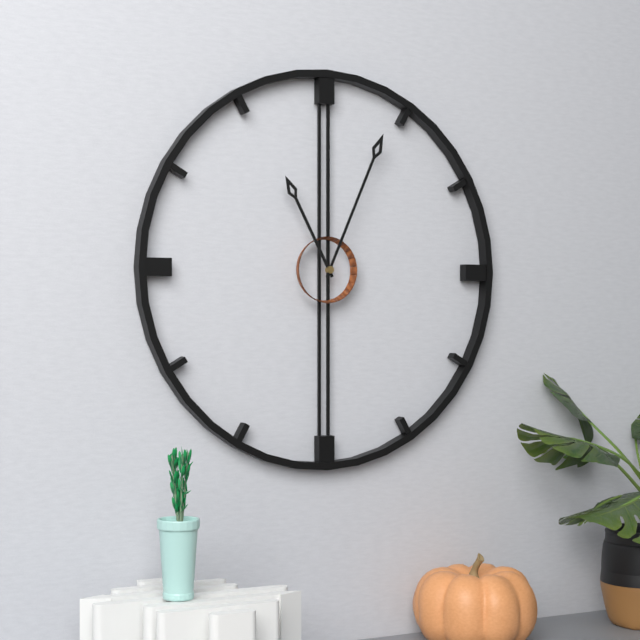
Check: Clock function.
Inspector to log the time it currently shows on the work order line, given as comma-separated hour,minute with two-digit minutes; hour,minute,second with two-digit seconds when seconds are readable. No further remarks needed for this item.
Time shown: 11,04
